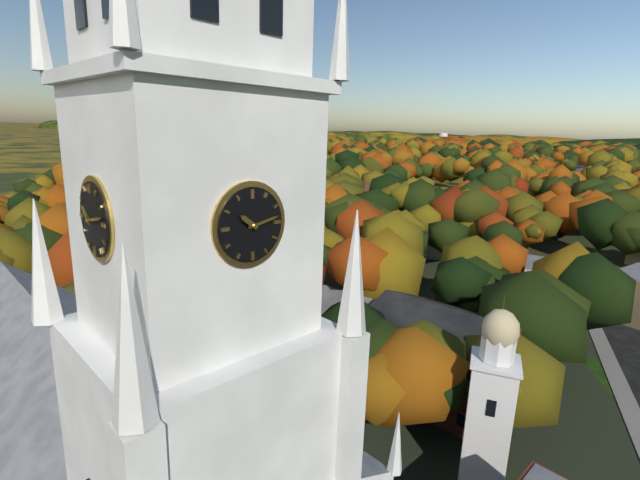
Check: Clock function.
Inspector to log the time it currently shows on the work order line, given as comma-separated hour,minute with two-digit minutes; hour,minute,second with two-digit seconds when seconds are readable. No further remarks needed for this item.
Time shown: 10,13
